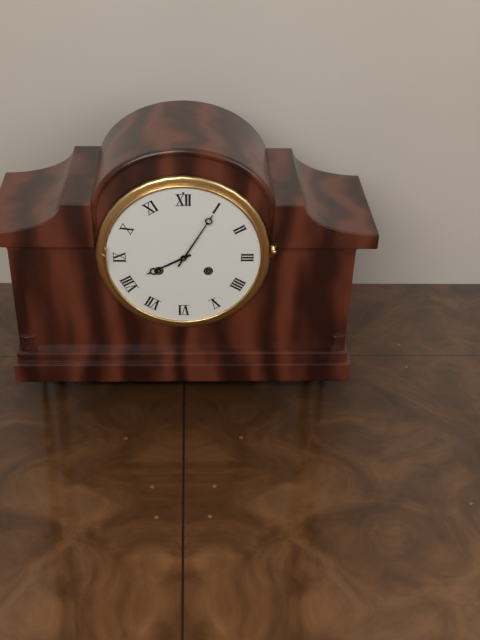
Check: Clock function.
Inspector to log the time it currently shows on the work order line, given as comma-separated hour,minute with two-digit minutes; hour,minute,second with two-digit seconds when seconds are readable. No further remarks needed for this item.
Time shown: 8,05
